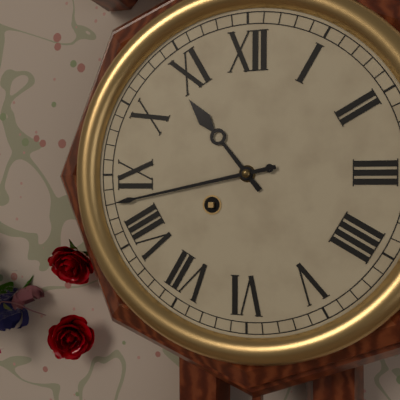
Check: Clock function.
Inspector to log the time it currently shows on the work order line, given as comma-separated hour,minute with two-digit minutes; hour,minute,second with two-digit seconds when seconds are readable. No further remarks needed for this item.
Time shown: 10,43
